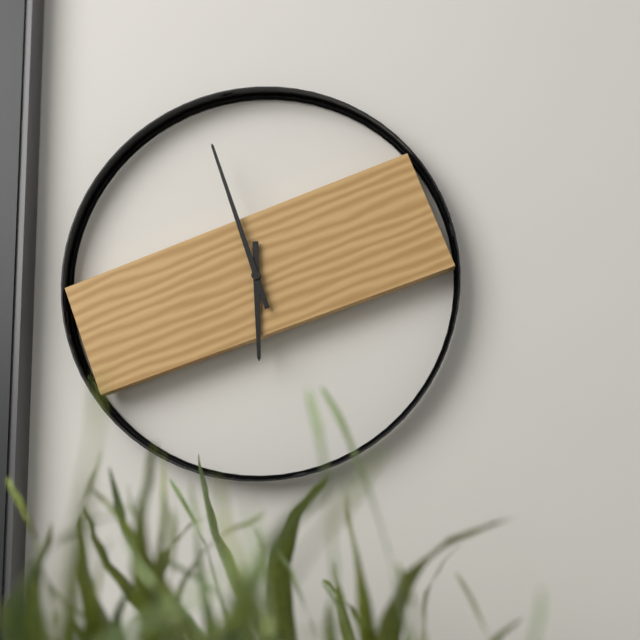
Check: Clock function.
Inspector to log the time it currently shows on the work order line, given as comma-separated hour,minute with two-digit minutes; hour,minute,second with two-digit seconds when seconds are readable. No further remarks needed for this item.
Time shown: 5,57
